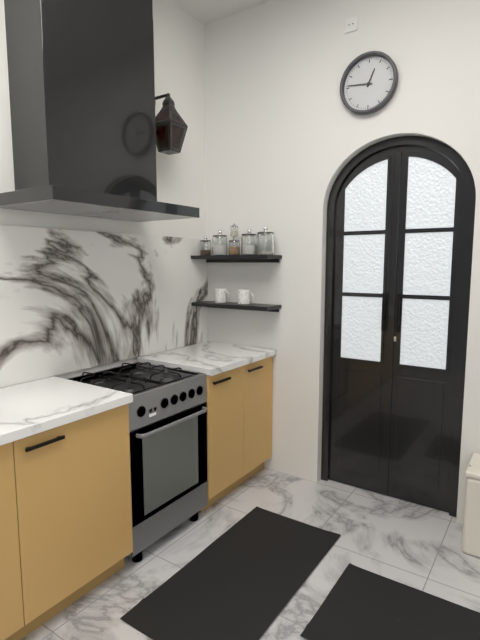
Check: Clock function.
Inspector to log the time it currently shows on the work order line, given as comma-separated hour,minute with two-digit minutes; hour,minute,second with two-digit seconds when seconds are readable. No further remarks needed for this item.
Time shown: 12,46
